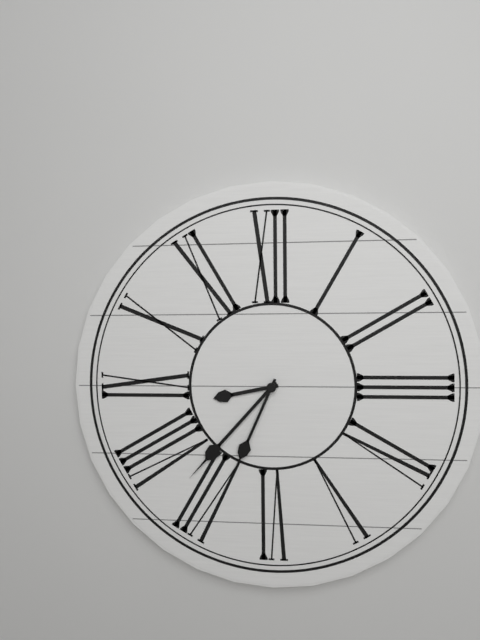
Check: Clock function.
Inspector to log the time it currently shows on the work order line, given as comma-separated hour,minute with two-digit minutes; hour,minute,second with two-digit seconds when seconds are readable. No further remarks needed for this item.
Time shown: 8,37,34
